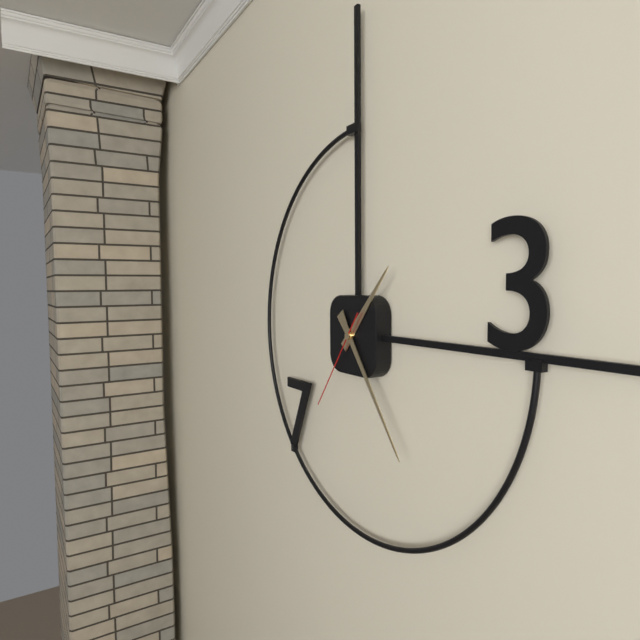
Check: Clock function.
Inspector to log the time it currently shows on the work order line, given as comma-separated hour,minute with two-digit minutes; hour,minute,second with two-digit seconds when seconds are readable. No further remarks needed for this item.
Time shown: 1,24,36
